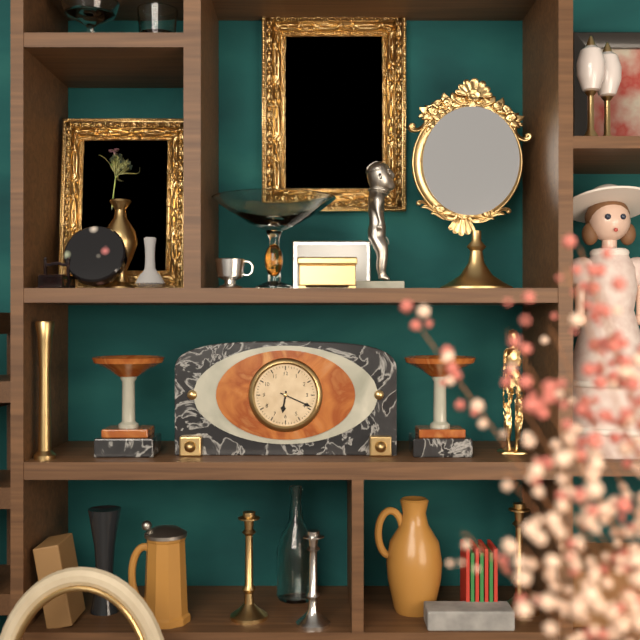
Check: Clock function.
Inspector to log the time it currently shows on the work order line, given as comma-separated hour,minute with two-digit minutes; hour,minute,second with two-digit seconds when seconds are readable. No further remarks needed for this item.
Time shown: 6,19
